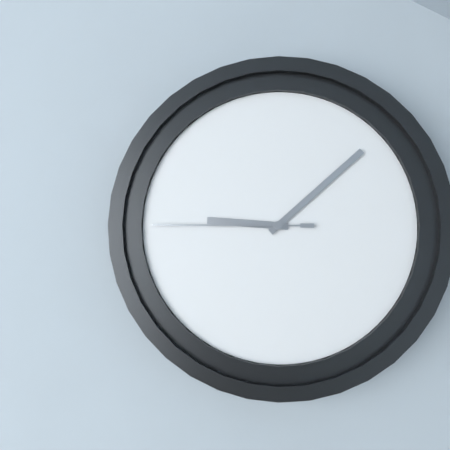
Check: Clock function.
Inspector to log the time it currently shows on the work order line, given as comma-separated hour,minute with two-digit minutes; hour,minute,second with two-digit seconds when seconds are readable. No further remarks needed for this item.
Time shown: 9,08,45
